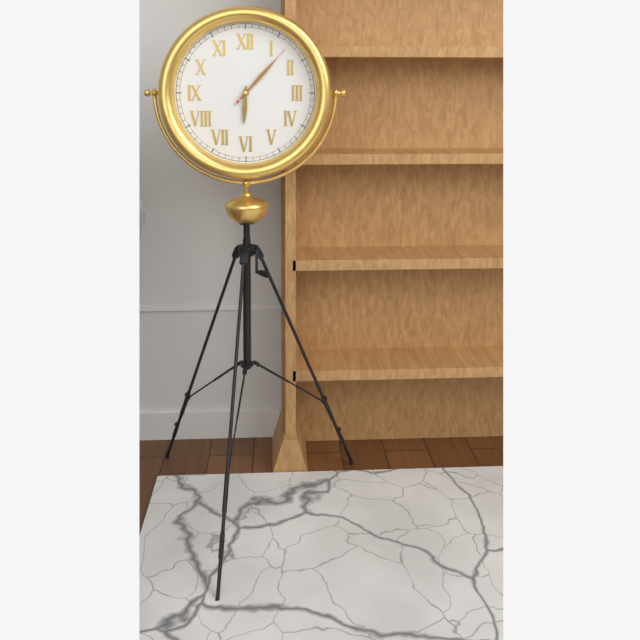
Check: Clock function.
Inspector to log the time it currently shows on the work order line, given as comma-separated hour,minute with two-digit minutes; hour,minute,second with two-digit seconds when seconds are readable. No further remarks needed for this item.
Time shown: 6,07,07
